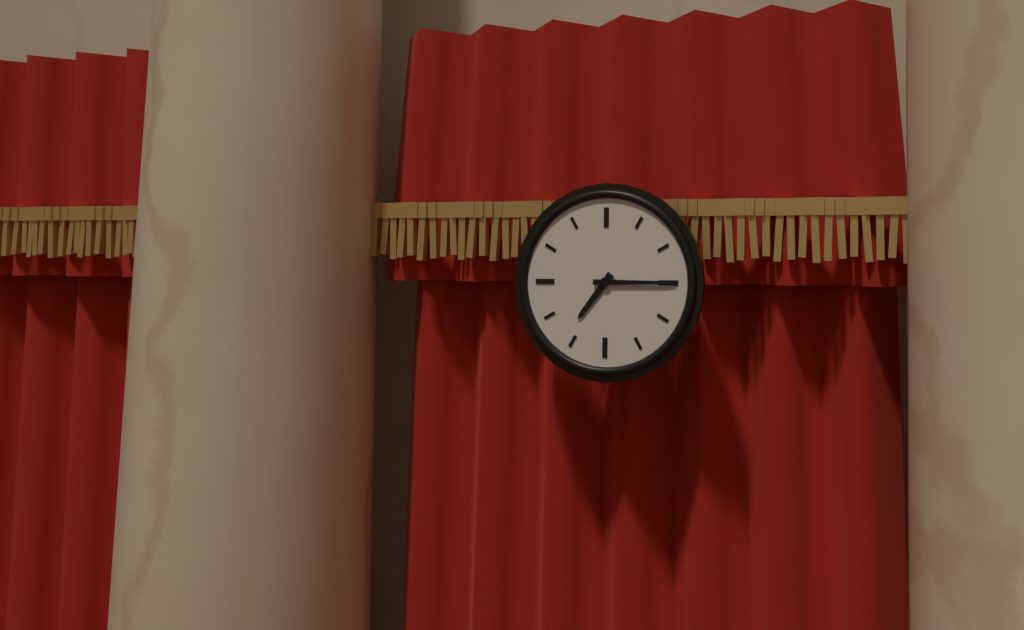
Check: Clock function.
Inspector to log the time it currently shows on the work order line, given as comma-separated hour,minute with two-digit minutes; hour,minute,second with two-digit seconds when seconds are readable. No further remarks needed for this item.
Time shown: 7,15
